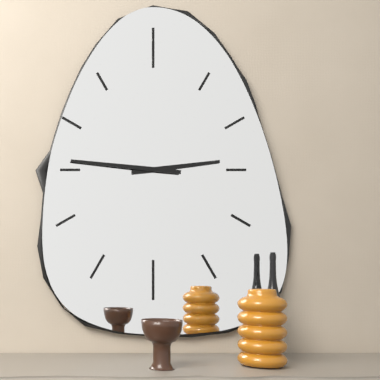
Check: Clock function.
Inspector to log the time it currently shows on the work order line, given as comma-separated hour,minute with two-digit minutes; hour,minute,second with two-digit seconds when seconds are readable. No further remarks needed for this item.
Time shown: 2,46
